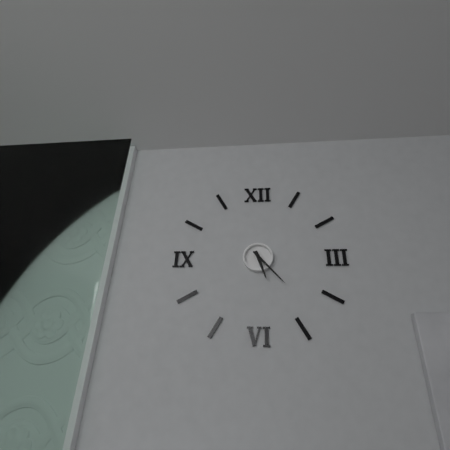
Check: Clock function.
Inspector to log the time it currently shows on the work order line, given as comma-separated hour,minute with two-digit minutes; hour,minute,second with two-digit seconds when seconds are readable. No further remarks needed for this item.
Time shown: 5,23
